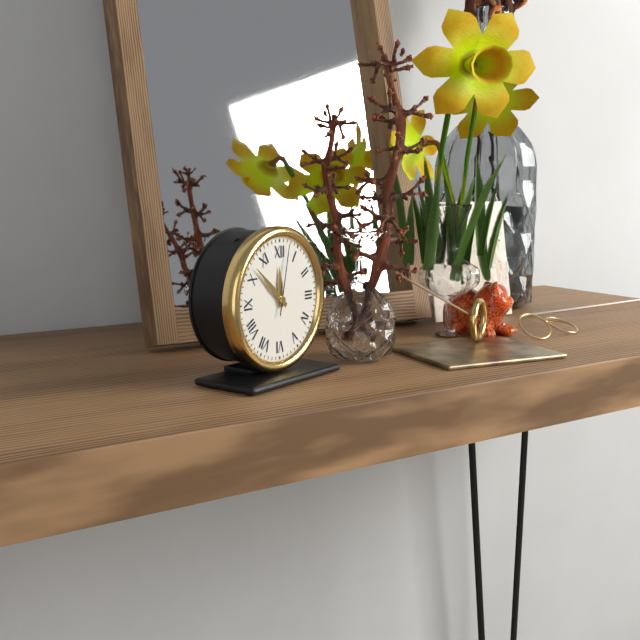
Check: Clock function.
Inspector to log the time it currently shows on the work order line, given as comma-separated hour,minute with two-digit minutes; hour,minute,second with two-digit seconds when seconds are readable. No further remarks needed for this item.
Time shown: 11,52,02
